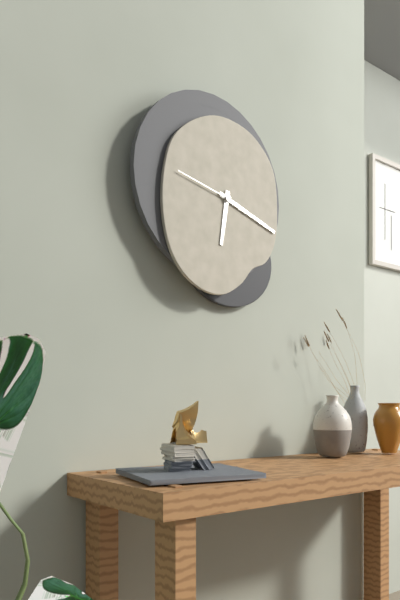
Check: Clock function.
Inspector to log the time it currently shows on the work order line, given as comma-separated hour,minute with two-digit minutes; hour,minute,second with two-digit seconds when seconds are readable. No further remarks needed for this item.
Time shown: 6,18,47
